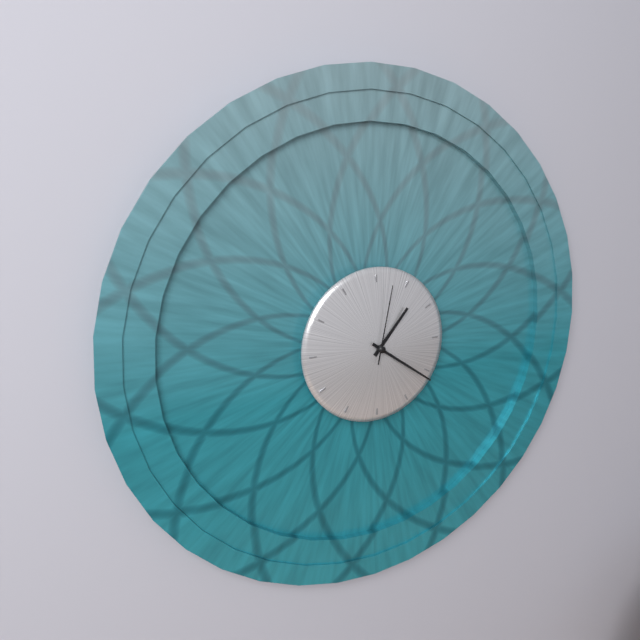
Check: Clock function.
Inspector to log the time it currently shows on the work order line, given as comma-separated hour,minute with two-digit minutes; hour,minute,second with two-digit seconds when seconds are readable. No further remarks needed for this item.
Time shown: 1,21,02
